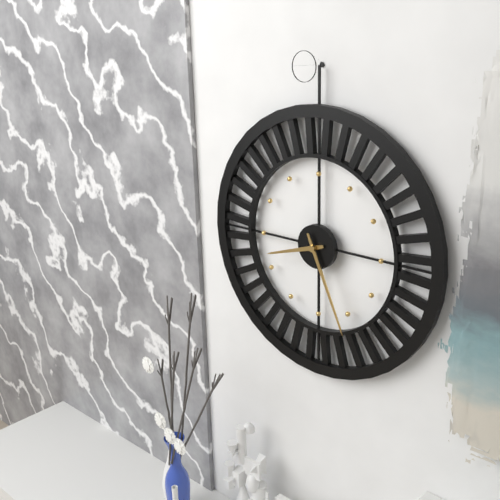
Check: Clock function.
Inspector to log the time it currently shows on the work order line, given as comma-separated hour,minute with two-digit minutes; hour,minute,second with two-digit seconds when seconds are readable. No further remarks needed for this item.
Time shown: 8,26
